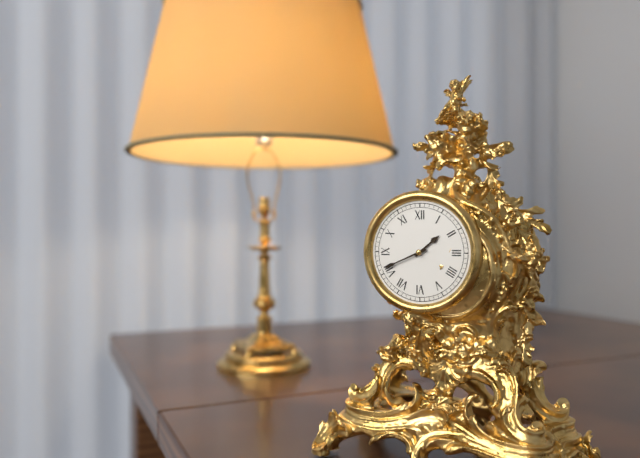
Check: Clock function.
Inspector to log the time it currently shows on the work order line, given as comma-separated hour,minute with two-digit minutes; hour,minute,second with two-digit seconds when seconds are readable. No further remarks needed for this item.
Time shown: 1,41
